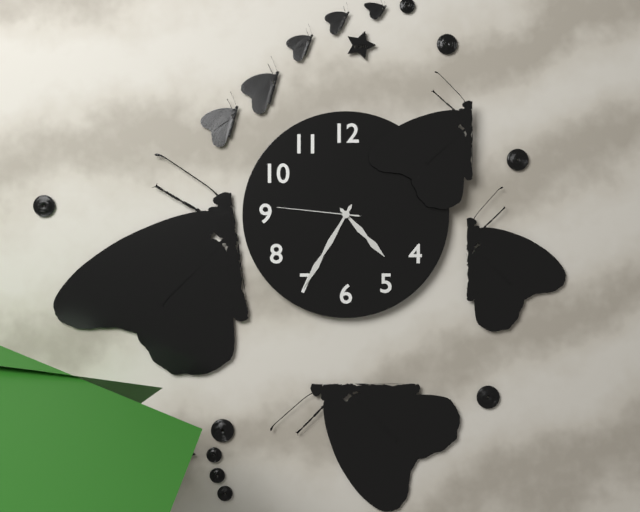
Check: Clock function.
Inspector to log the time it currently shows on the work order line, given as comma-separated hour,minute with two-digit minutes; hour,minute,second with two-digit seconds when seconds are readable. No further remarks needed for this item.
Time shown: 4,35,46
